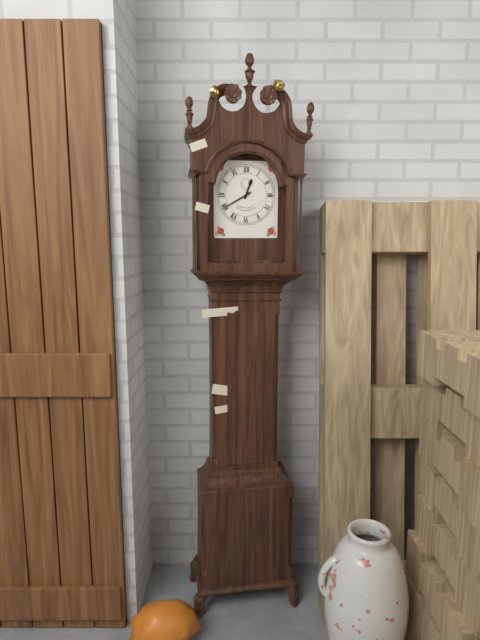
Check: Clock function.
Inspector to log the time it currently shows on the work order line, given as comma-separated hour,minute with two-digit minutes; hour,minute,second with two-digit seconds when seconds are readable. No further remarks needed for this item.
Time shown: 12,40
